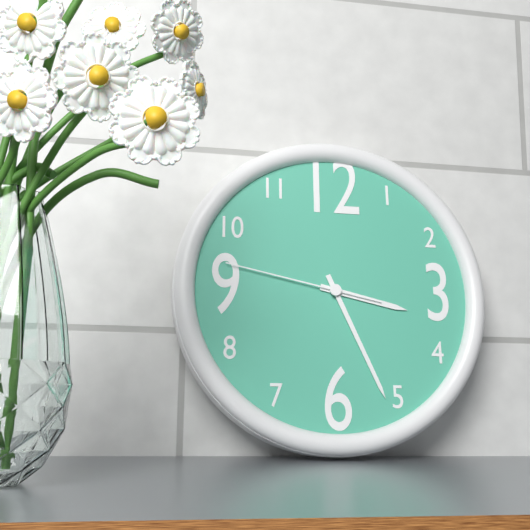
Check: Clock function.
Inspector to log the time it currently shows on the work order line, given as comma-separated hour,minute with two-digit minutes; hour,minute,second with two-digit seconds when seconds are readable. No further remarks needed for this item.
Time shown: 3,26,47
